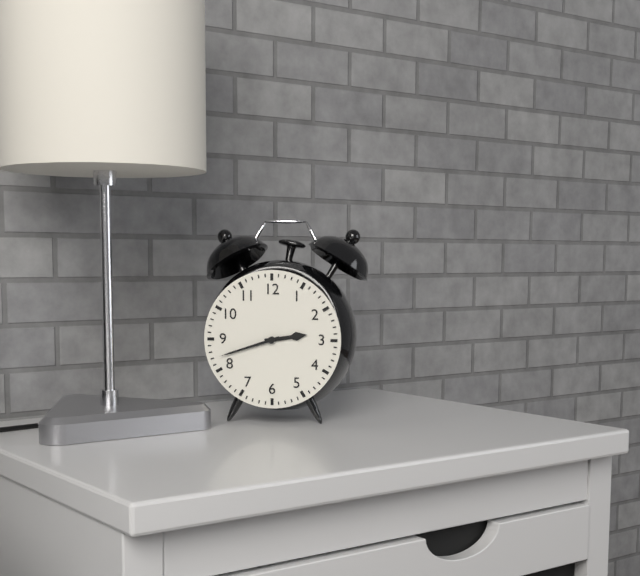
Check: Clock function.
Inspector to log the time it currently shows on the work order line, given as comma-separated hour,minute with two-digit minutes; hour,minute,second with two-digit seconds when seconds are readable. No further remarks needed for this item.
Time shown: 2,42
